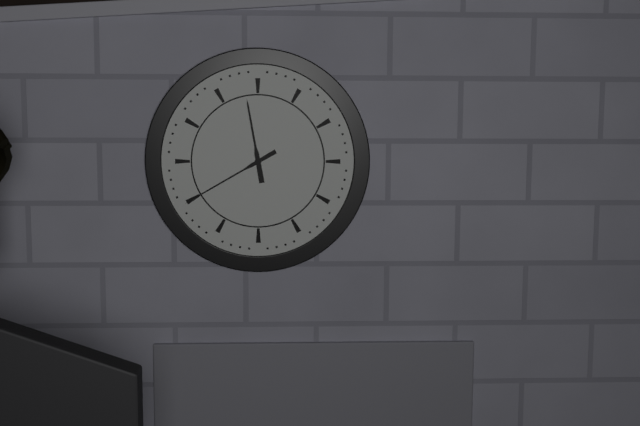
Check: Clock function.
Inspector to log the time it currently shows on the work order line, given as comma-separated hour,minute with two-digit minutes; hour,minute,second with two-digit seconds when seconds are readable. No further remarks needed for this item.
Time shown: 11,40
